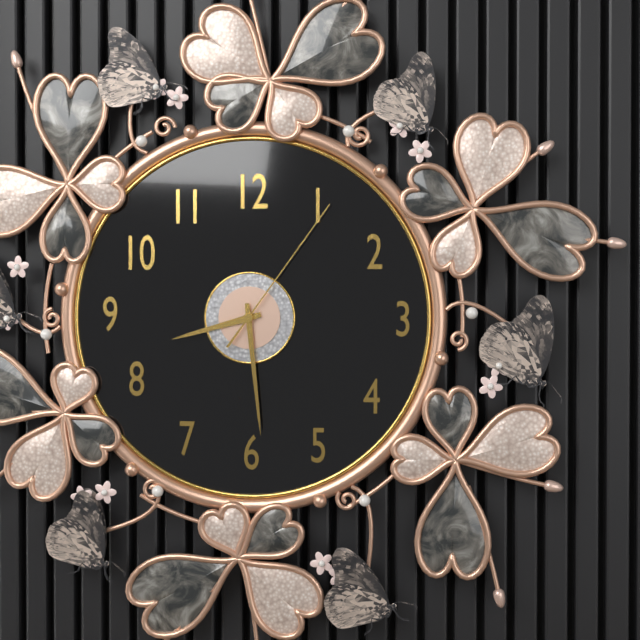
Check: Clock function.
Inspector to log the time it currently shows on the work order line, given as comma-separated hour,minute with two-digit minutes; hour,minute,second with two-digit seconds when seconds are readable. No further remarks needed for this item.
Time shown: 8,29,06
